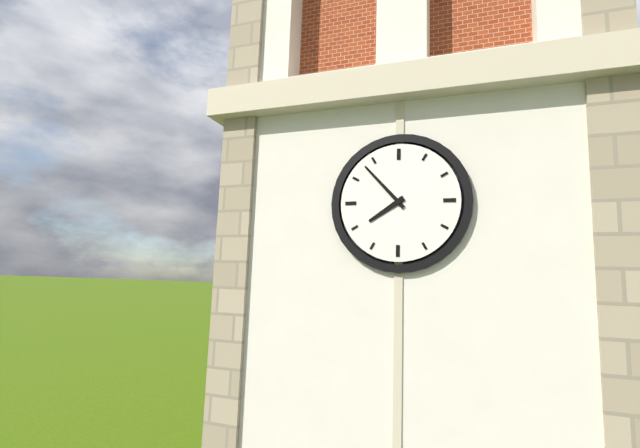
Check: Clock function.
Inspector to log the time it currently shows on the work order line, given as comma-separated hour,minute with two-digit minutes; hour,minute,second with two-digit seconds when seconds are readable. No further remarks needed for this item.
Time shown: 7,53
